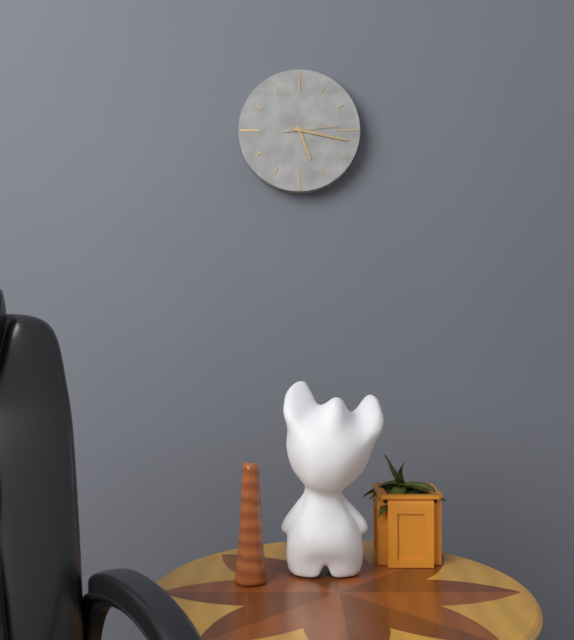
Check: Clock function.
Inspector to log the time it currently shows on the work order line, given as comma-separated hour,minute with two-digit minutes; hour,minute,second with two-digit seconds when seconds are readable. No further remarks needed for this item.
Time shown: 5,17,14
